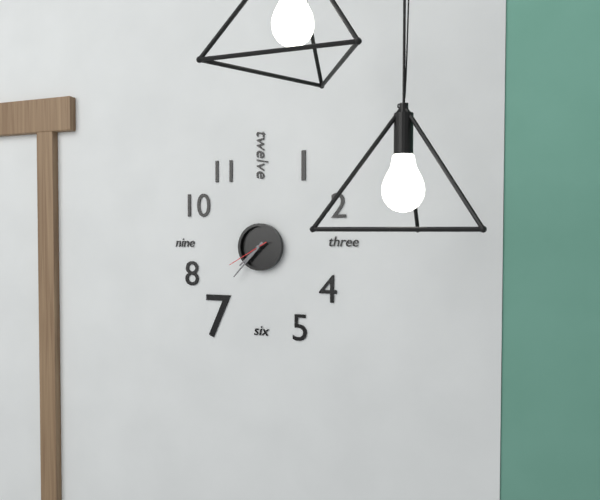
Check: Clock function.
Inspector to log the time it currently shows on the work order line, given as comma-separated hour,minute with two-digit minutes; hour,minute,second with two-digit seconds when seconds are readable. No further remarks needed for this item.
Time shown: 7,37
